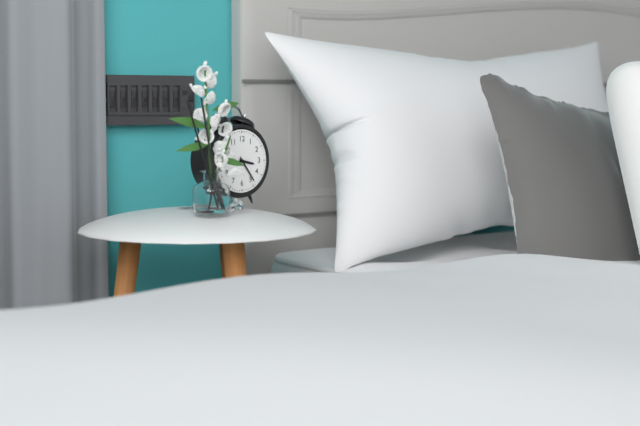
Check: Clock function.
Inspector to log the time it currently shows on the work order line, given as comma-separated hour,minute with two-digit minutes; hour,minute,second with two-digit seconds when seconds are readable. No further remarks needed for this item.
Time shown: 3,24
